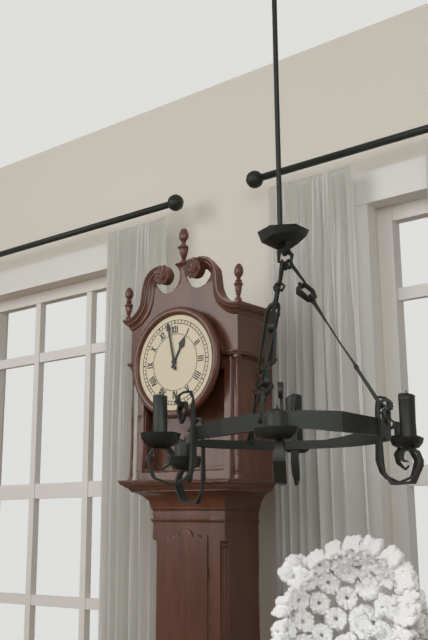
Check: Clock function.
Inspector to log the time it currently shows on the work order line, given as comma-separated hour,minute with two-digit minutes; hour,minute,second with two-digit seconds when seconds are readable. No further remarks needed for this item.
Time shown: 12,58
